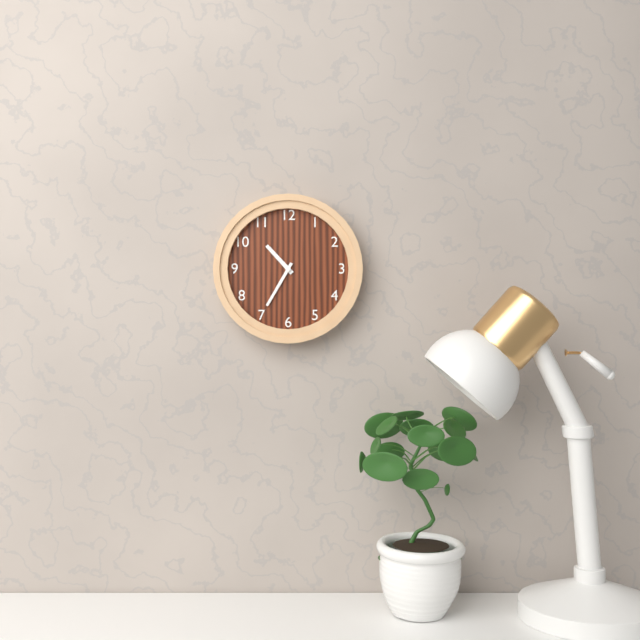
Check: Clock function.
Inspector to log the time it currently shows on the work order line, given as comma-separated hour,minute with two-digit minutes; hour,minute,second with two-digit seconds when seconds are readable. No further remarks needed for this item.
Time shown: 10,35
